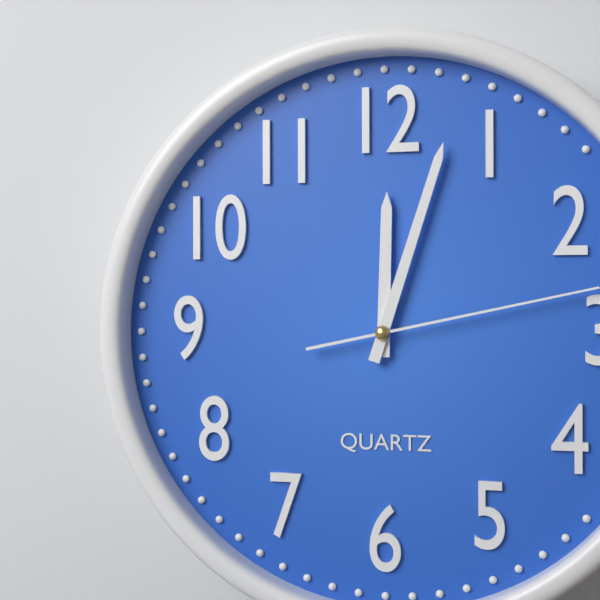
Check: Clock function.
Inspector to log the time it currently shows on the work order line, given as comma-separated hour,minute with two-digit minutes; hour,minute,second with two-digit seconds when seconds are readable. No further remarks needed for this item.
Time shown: 12,03,13
